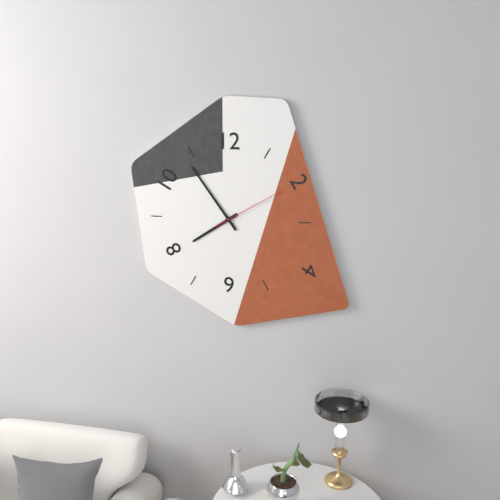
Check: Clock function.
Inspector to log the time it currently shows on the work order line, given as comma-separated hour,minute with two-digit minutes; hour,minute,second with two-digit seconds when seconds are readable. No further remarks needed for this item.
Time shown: 7,54,10
